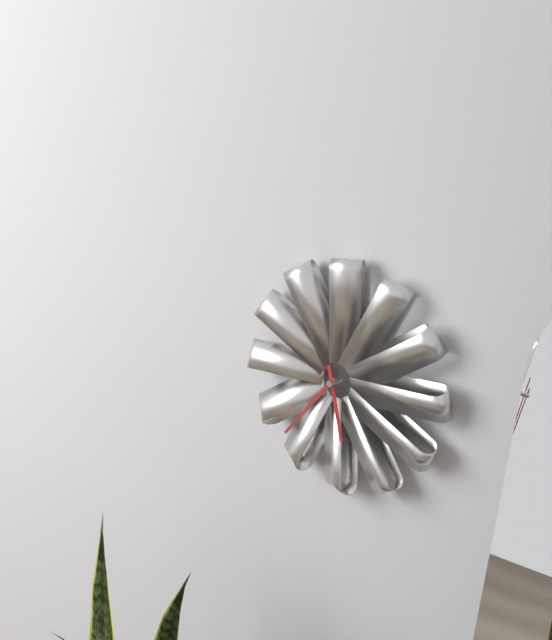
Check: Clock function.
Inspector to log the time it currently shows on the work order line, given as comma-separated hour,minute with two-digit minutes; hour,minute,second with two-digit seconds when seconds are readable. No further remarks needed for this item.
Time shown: 5,37
